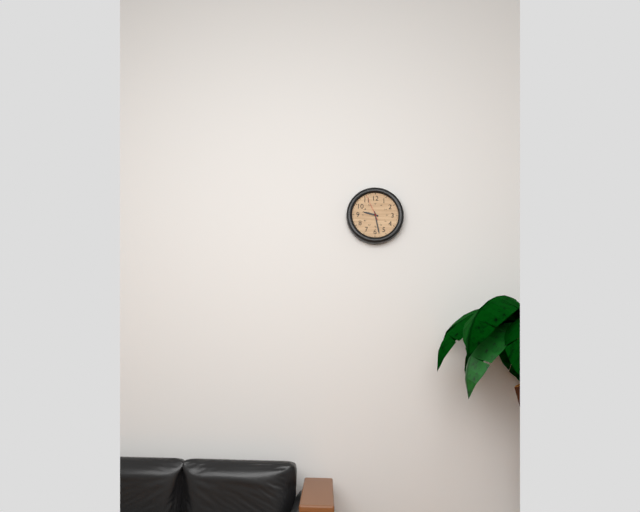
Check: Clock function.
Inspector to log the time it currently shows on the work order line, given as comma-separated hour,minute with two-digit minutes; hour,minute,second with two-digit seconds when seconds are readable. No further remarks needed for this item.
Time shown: 9,28
